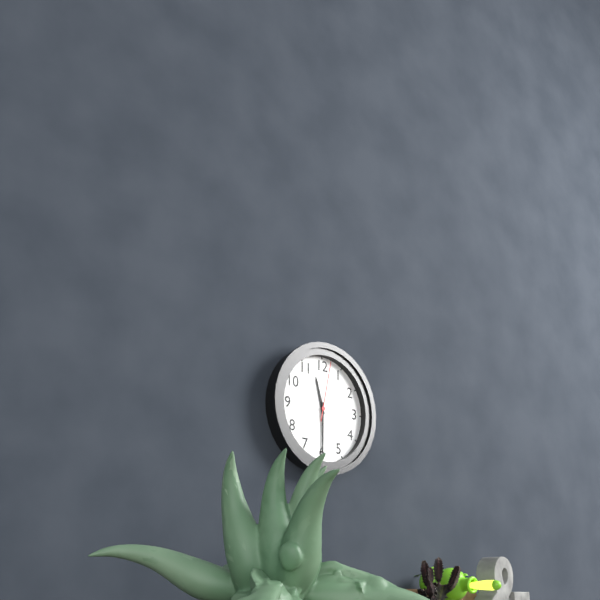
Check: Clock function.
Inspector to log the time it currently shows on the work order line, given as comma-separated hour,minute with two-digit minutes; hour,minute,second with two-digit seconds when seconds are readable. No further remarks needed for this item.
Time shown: 11,30,02
